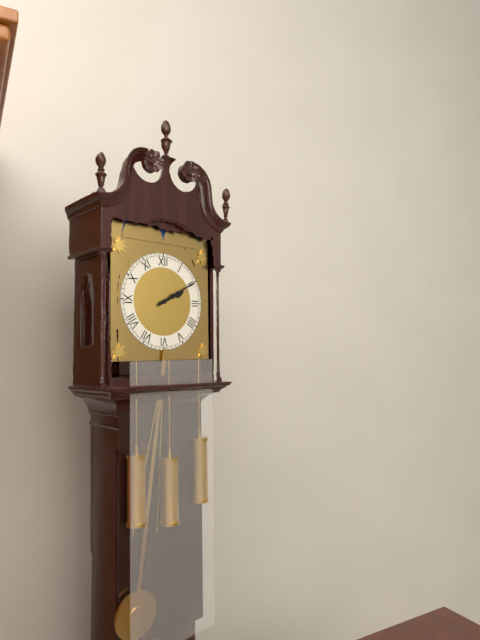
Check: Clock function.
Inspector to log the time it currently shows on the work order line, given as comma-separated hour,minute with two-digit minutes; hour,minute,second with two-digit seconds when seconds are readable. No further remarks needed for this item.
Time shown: 2,10
